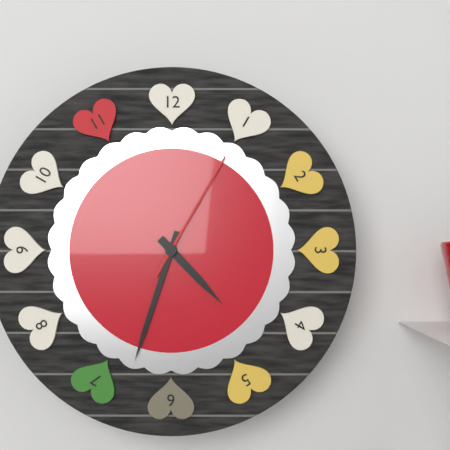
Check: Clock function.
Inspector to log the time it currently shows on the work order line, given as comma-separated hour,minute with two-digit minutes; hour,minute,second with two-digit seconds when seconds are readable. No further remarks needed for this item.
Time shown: 4,33,05
